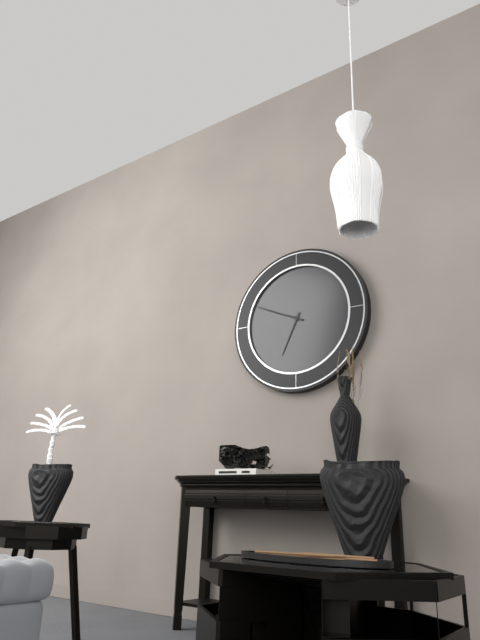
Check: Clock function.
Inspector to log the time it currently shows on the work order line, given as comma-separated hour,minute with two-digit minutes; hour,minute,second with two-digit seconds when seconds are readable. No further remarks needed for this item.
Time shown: 6,49
